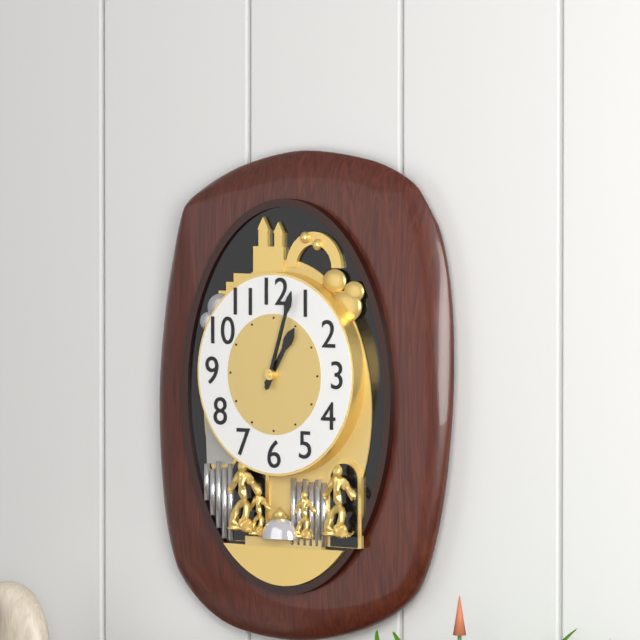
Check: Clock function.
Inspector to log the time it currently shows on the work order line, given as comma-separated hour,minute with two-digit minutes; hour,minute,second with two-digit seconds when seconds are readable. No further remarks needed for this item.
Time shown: 1,03
